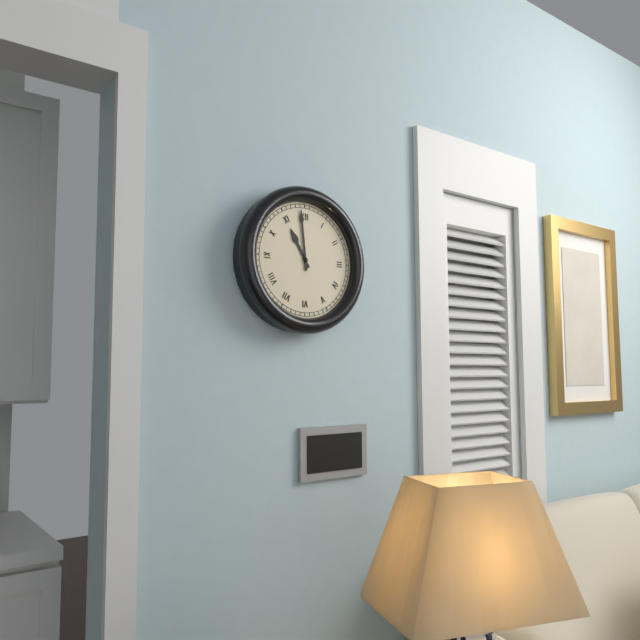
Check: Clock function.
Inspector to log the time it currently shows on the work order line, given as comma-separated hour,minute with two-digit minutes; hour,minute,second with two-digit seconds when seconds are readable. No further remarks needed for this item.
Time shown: 10,59
